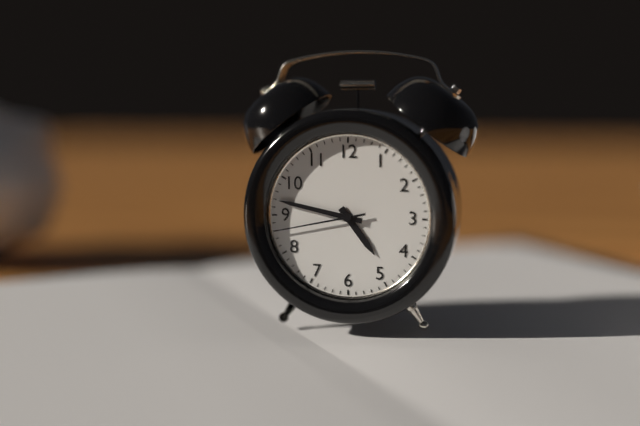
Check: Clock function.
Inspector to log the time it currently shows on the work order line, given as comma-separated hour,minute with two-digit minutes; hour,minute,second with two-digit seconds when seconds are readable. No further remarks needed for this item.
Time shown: 4,47,43
